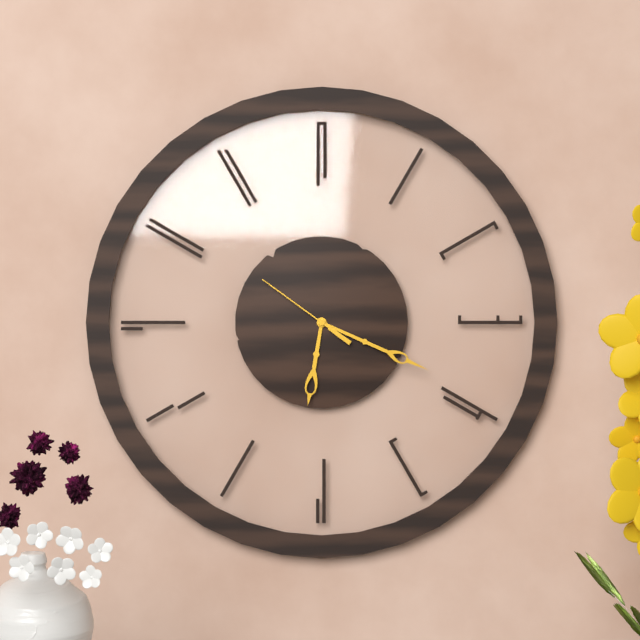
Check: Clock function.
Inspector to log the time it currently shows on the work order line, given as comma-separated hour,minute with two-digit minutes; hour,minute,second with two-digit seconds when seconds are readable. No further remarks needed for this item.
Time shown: 6,19,51
